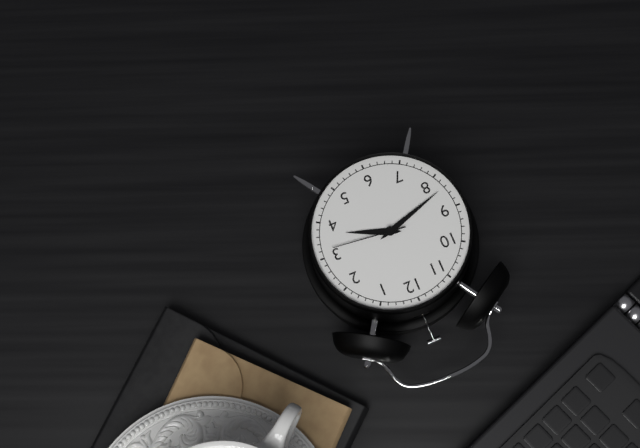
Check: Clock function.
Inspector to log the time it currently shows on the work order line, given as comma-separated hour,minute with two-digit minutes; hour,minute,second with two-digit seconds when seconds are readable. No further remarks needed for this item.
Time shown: 3,42,16
